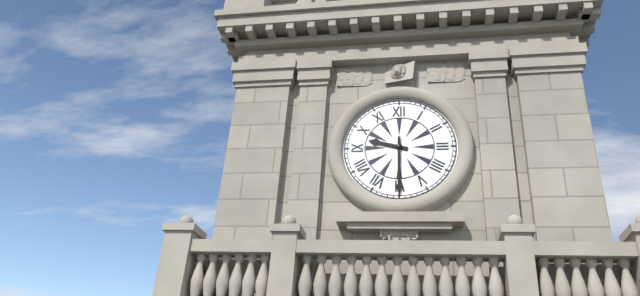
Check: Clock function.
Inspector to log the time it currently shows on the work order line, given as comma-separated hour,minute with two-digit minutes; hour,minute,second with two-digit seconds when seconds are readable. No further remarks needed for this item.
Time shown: 9,30
